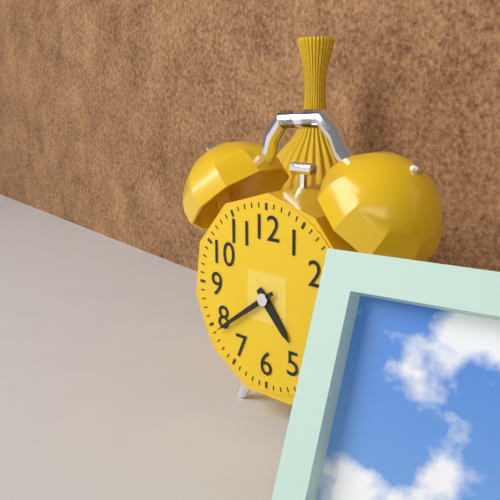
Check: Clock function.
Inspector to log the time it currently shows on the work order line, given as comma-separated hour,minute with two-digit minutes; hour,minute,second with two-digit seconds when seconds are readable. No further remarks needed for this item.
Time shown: 4,39
